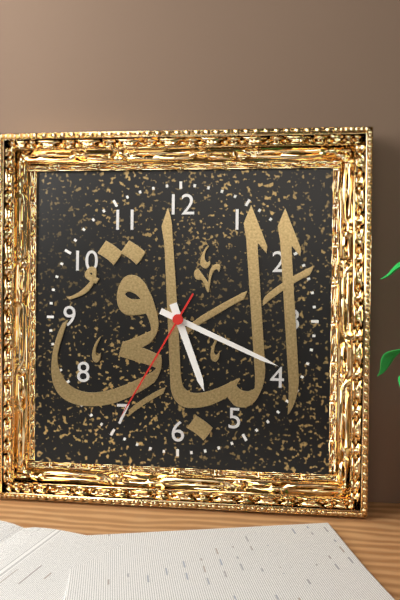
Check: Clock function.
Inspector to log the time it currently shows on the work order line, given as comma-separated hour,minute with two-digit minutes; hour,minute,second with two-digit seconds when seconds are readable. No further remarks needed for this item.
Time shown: 5,19,35
